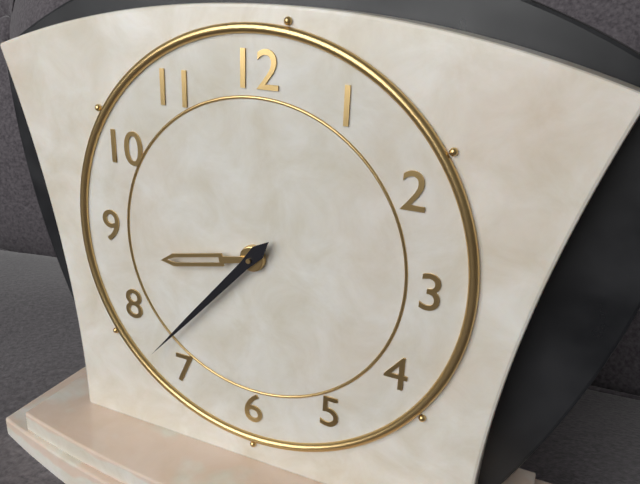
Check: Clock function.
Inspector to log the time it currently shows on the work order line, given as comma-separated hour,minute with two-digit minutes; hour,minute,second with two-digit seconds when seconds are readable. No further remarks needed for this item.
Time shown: 8,37
